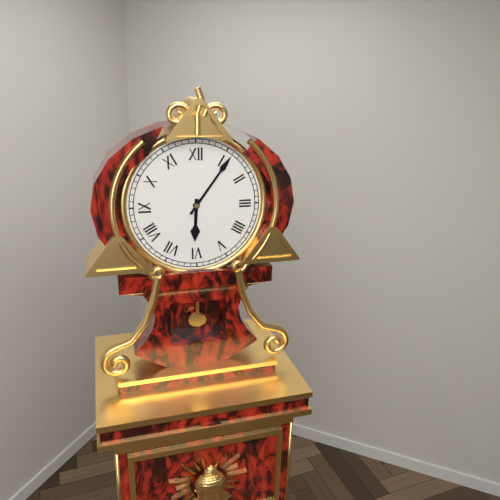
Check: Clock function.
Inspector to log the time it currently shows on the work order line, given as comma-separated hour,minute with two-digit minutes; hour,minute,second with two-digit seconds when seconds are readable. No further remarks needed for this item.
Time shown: 6,06
